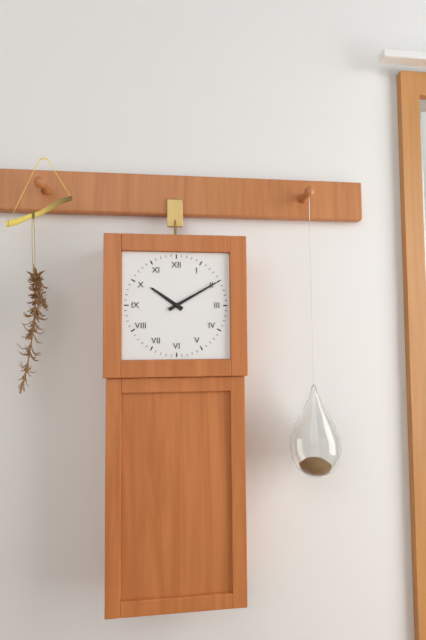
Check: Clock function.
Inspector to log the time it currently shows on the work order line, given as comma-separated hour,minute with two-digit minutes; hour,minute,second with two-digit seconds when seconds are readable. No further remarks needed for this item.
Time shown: 10,10
